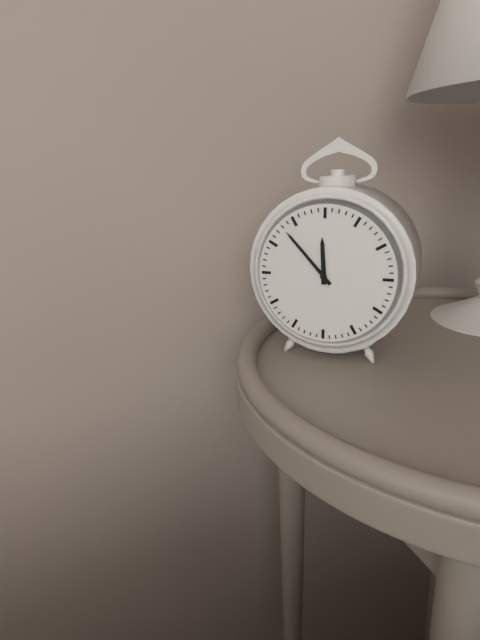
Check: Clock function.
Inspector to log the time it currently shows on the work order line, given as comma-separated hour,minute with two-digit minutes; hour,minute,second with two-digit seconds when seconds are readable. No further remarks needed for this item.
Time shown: 11,53
